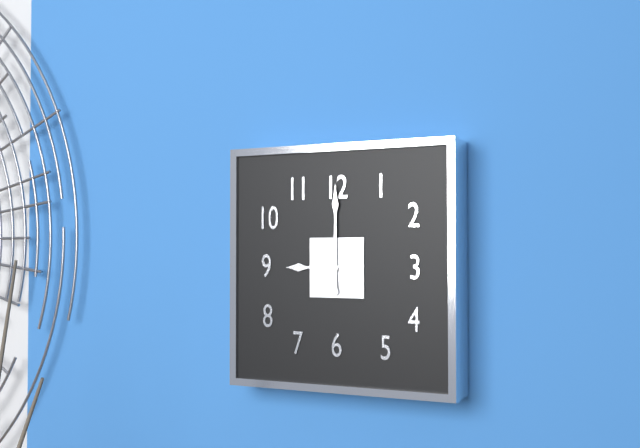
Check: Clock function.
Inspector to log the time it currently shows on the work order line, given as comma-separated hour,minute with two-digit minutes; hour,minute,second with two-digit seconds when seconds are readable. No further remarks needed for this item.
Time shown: 9,00
